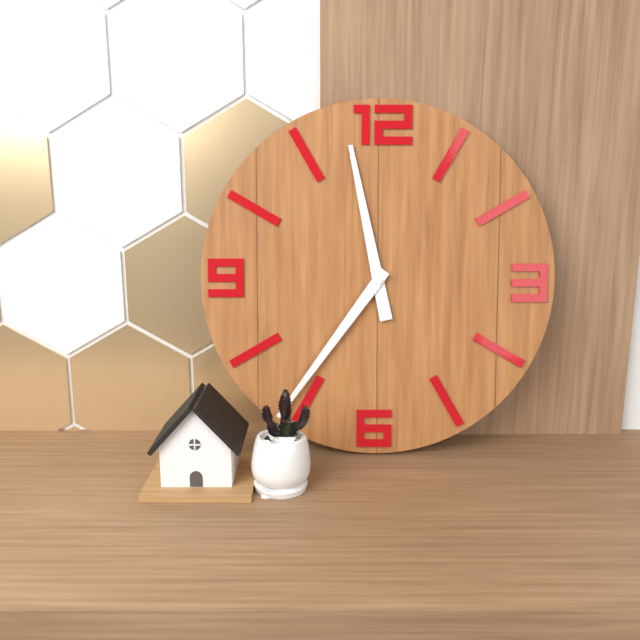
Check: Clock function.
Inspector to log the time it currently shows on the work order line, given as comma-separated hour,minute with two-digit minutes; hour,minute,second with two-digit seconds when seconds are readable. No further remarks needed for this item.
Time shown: 11,36
